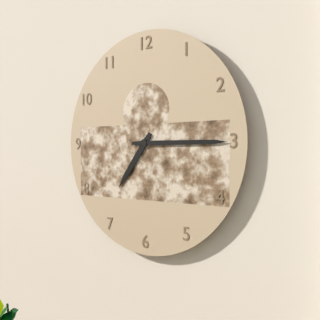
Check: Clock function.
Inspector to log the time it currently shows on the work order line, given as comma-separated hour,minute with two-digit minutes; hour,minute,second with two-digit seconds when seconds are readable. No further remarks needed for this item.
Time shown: 7,15
